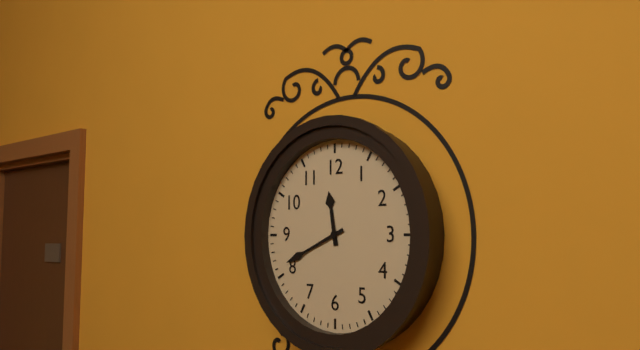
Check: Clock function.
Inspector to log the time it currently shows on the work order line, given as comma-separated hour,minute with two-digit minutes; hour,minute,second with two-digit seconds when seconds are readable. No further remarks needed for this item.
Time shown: 11,41
